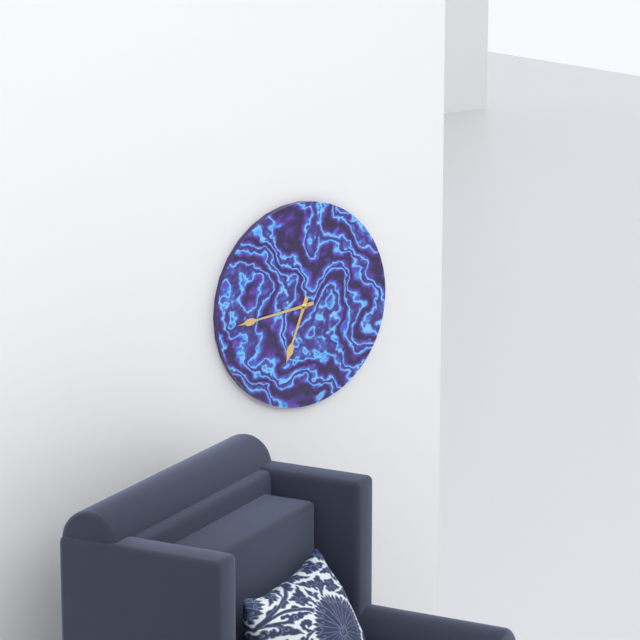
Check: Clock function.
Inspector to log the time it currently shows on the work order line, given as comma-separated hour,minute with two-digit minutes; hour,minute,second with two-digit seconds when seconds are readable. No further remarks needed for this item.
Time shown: 6,44
